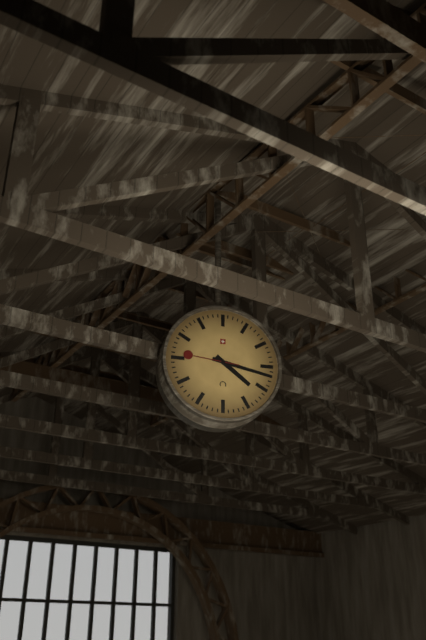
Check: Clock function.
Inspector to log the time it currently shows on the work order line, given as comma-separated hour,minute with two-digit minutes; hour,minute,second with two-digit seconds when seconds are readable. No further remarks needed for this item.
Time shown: 4,17,46
